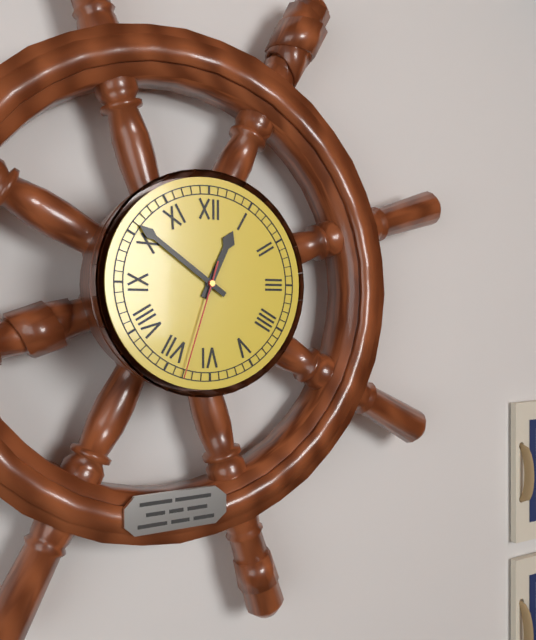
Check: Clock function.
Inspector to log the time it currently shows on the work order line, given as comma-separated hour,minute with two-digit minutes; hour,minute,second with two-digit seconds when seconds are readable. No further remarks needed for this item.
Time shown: 12,51,33
